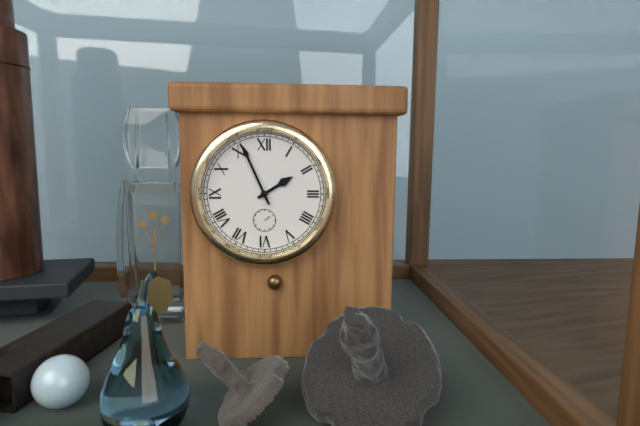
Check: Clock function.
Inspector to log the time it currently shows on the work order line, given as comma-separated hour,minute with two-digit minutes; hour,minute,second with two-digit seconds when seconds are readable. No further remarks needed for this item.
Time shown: 1,56
